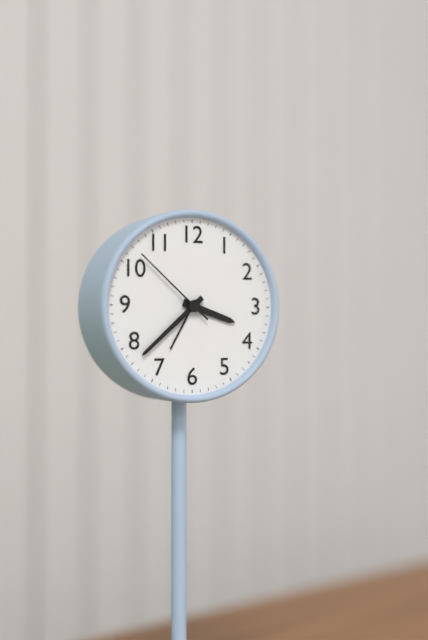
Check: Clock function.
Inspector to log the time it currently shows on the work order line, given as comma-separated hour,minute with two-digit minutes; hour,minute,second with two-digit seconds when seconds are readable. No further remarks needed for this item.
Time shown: 3,38,52
